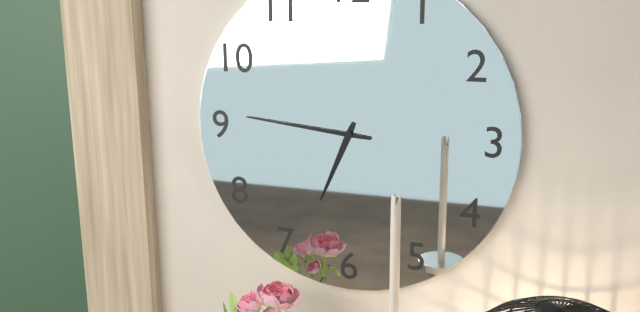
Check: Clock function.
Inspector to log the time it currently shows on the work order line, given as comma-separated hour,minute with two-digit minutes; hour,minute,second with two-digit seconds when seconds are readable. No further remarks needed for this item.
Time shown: 6,46
